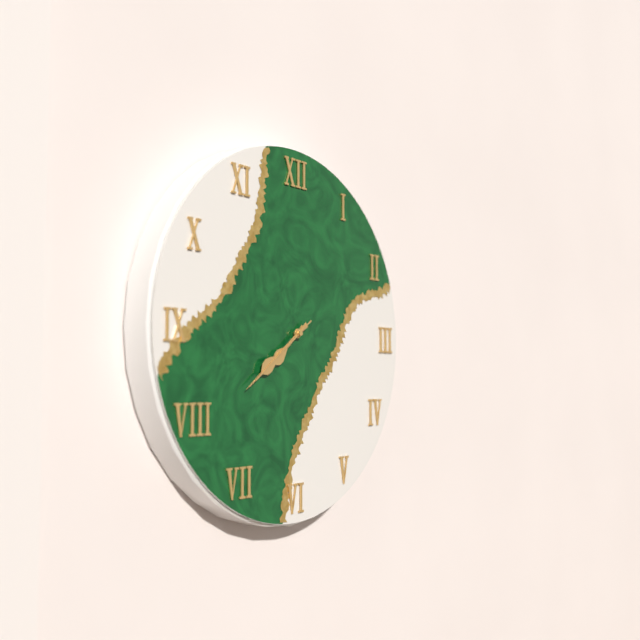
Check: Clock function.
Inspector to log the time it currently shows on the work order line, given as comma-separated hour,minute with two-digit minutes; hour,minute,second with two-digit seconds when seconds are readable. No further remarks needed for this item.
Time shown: 7,39,39
